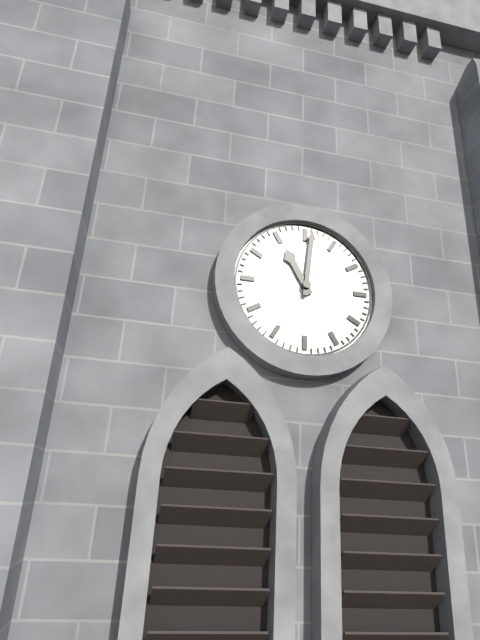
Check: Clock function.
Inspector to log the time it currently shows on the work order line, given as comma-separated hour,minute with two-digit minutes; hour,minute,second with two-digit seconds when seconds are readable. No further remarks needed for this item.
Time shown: 11,01
